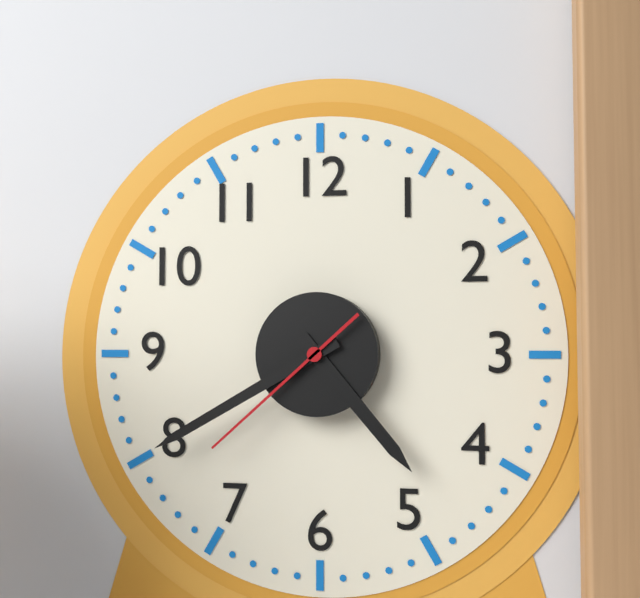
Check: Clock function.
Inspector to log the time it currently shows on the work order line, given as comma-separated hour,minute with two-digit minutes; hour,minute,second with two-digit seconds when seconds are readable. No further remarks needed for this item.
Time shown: 4,40,38
